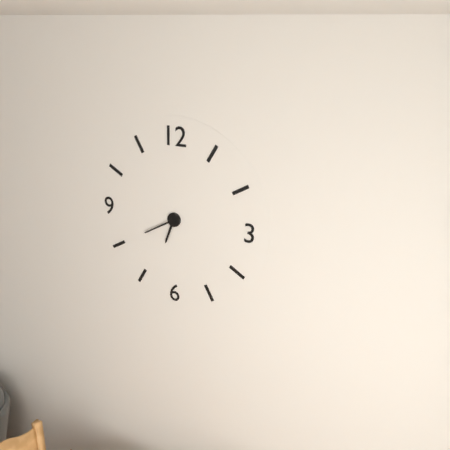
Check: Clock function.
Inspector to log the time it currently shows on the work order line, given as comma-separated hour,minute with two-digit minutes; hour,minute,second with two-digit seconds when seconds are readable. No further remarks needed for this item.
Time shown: 6,40
